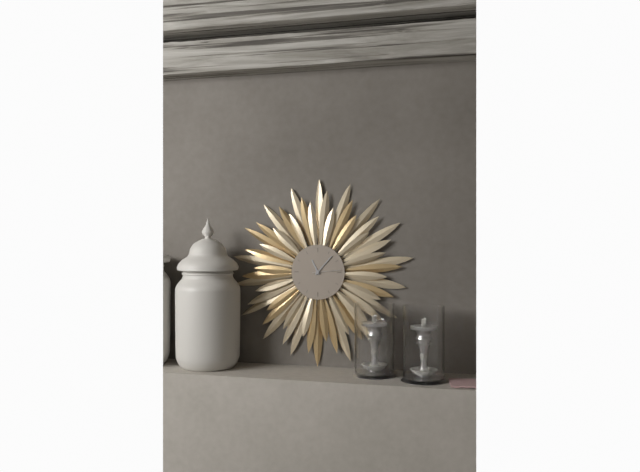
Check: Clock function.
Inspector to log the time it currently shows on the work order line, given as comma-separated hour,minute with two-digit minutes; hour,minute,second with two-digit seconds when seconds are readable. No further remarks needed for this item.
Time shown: 11,07
